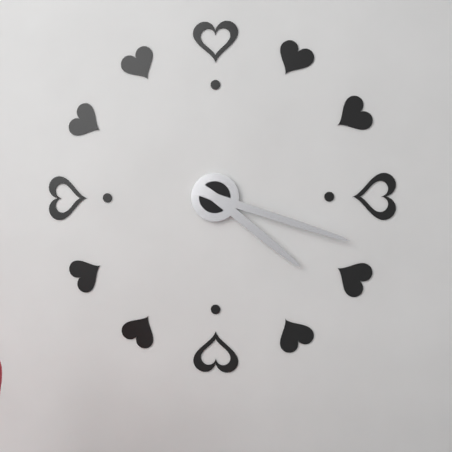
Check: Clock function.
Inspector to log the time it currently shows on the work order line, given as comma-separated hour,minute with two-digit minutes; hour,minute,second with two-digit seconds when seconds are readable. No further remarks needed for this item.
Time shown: 4,18
